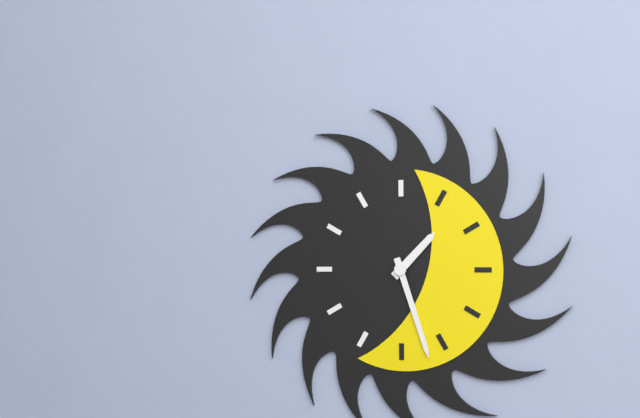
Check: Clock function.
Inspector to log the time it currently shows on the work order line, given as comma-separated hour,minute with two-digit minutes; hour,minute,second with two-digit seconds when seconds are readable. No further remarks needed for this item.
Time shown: 1,27
